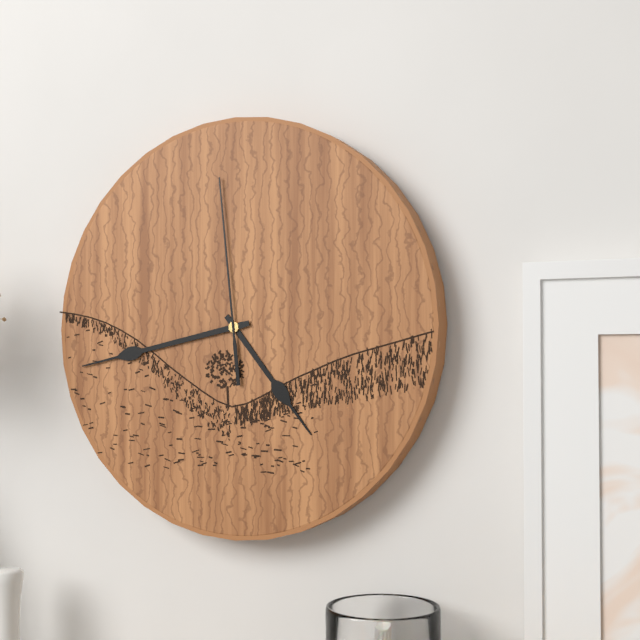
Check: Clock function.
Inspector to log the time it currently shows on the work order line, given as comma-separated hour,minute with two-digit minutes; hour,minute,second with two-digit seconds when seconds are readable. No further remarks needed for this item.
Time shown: 4,43,59
